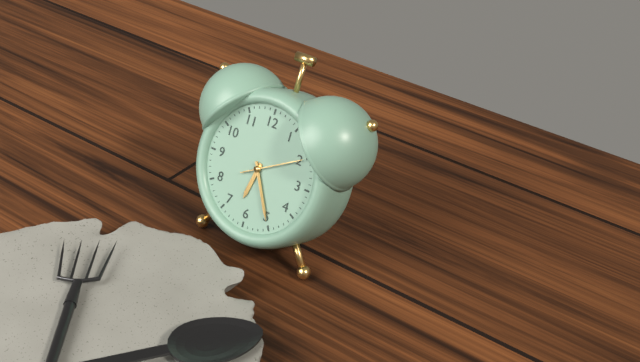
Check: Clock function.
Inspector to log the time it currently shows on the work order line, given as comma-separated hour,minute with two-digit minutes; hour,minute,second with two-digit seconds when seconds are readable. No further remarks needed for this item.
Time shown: 6,25,10
